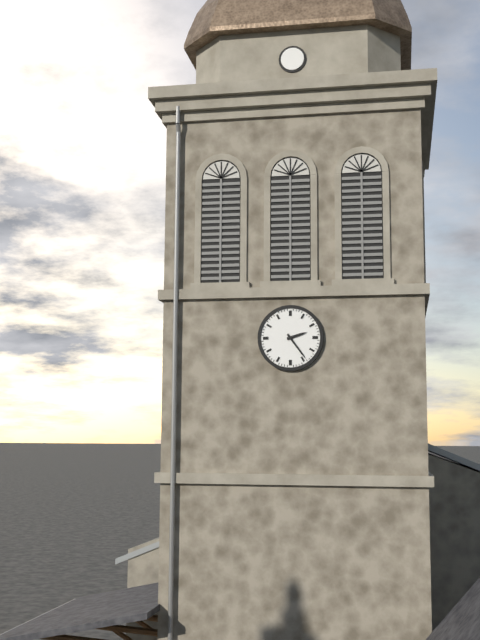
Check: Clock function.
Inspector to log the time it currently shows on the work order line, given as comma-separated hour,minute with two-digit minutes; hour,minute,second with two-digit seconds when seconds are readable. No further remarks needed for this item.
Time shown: 2,24
